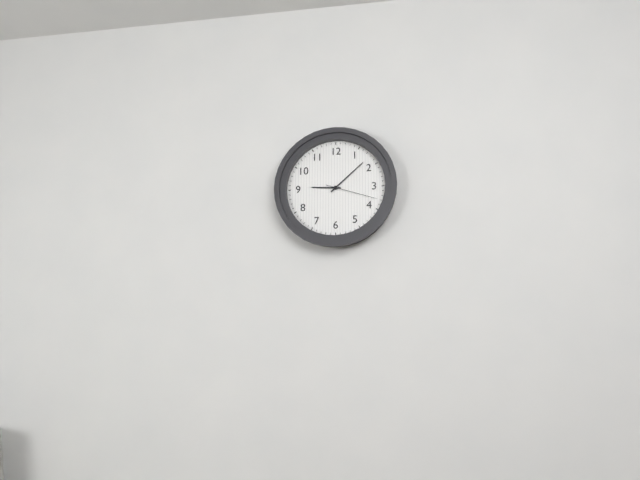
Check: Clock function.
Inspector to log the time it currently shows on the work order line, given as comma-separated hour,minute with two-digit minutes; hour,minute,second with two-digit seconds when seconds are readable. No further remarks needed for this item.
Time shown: 9,08,18
